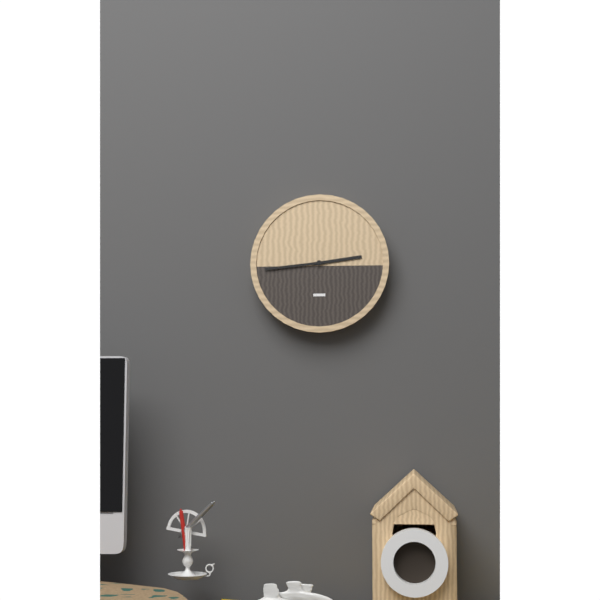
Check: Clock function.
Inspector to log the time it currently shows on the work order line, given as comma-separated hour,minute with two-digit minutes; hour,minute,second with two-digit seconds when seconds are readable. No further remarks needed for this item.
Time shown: 2,44
